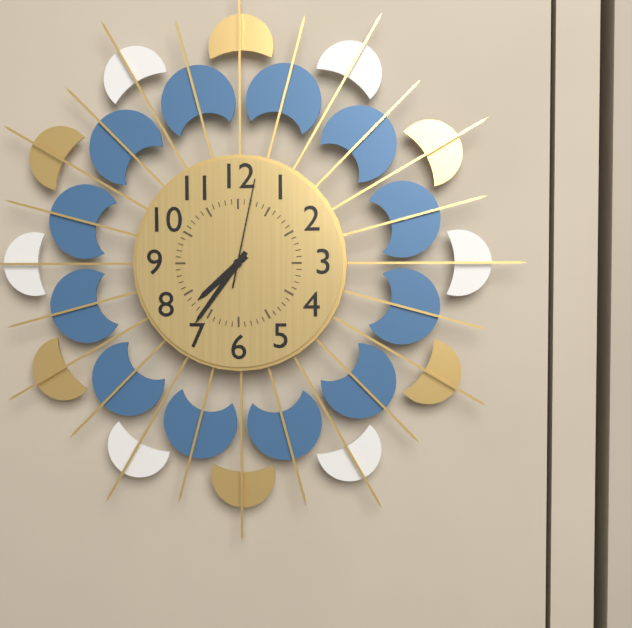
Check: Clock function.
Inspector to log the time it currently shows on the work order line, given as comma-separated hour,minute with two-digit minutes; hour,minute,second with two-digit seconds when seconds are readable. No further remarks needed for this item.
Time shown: 7,36,02
